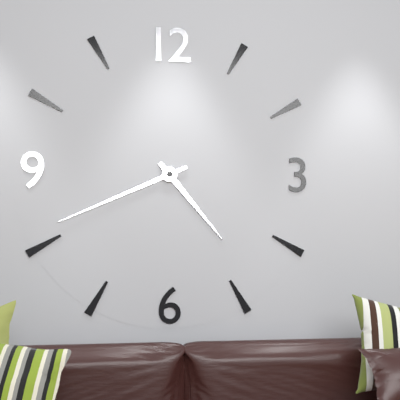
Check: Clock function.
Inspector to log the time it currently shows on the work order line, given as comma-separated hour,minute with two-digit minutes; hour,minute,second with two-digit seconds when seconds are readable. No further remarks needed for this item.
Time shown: 4,41
